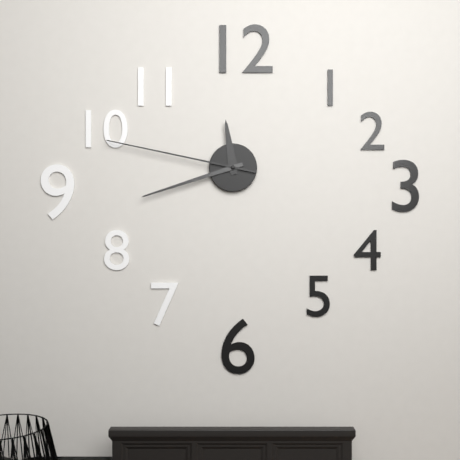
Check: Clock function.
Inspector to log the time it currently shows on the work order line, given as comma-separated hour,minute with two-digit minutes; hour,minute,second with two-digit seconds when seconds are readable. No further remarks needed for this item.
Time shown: 11,42,47
